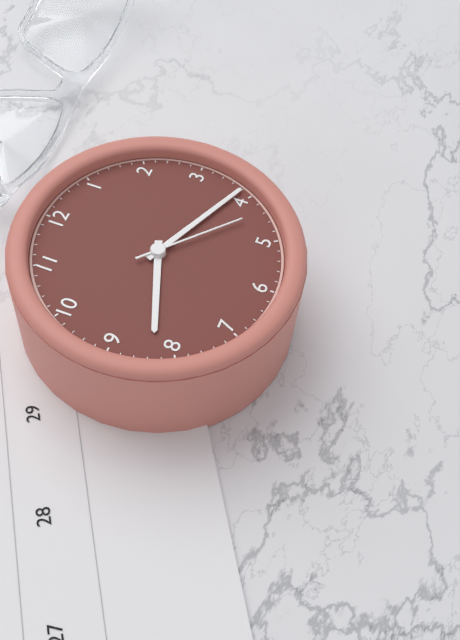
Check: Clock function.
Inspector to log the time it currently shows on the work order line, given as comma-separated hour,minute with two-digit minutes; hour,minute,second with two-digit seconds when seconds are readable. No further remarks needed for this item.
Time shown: 8,19,22
